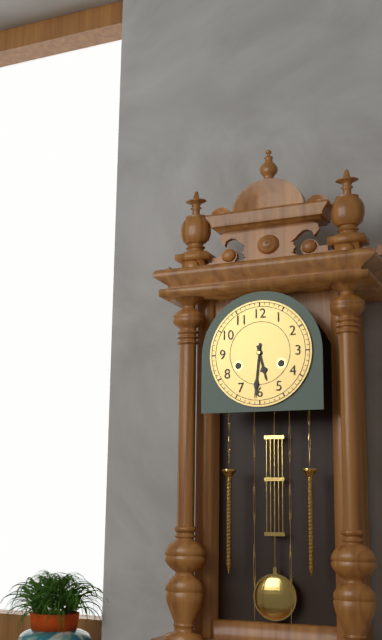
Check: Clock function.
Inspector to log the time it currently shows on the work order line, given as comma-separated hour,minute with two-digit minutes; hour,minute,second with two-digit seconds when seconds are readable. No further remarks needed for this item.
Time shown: 5,31
